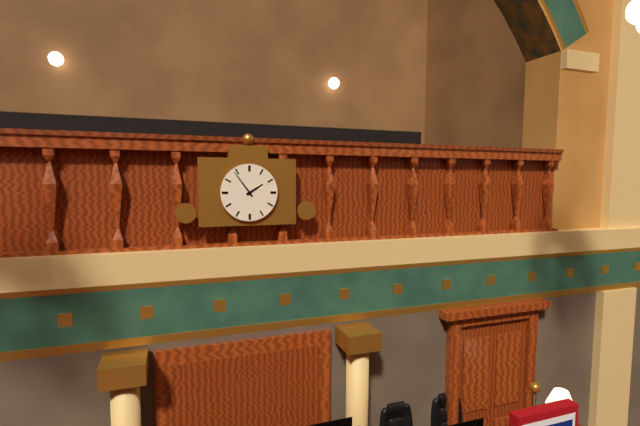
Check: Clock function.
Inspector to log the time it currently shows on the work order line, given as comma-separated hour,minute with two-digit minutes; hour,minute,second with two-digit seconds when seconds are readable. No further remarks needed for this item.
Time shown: 1,54
